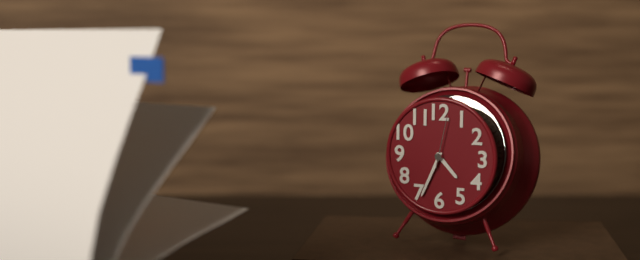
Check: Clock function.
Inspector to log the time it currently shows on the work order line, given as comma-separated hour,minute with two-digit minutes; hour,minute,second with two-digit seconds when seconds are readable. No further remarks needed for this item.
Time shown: 4,34,02
